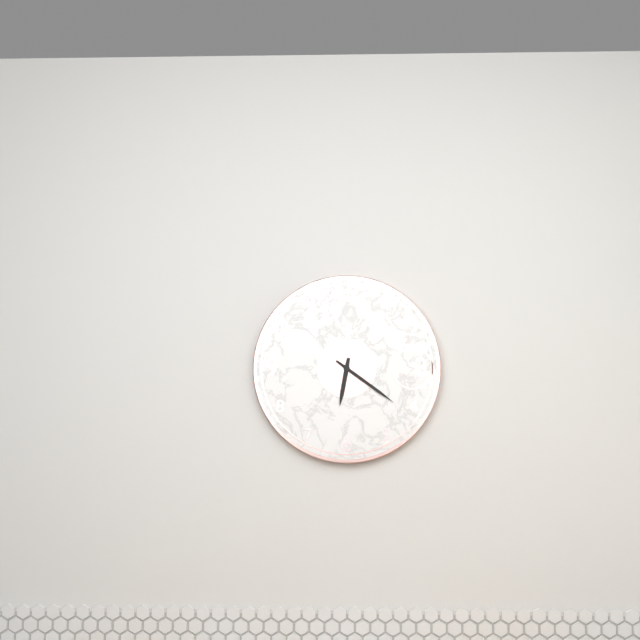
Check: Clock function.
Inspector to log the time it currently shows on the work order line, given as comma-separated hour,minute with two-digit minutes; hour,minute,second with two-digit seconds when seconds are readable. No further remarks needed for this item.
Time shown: 6,21
